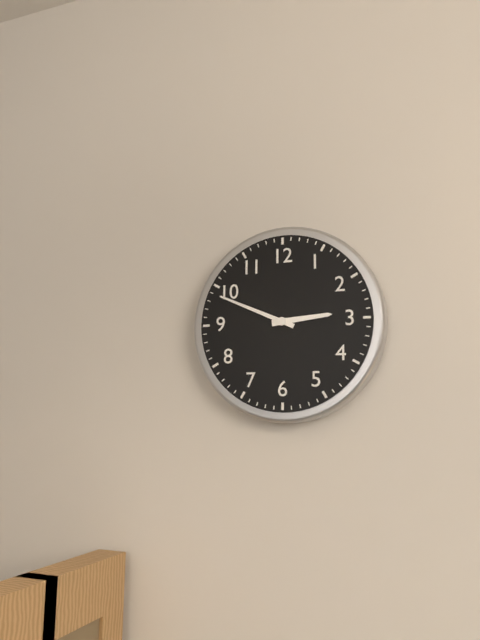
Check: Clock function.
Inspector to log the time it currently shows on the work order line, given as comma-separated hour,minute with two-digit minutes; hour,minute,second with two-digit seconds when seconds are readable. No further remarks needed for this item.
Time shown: 2,49
